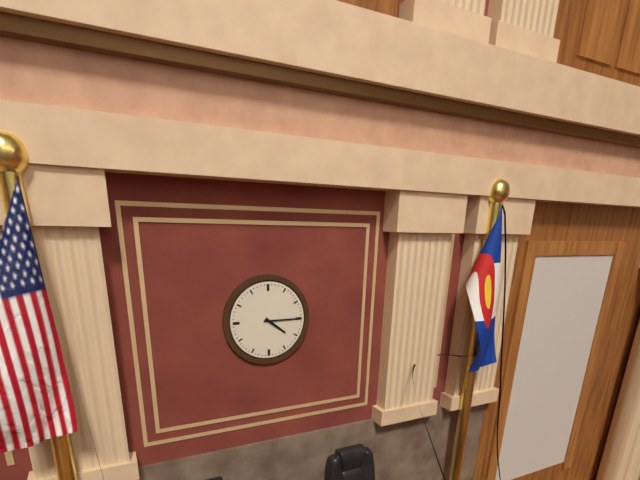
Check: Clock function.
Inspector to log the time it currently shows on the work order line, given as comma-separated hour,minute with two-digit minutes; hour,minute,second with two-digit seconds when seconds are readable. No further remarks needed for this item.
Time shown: 4,15
